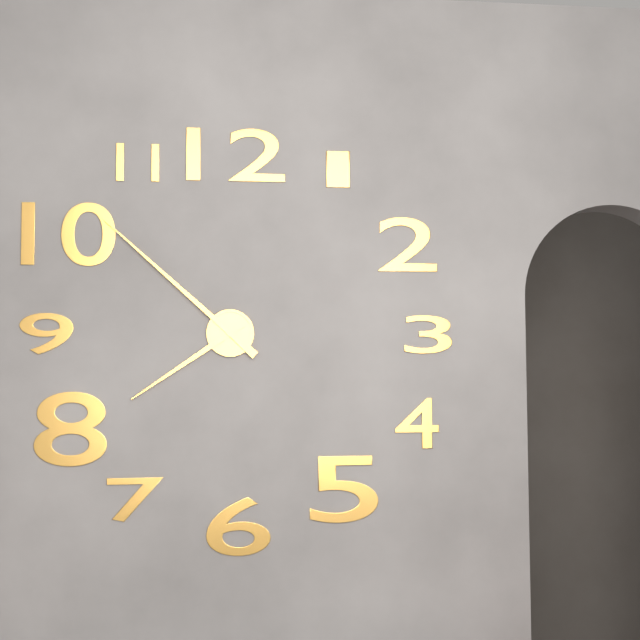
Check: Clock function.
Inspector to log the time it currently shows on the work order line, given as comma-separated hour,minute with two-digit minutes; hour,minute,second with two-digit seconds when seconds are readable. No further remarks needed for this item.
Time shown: 7,52
